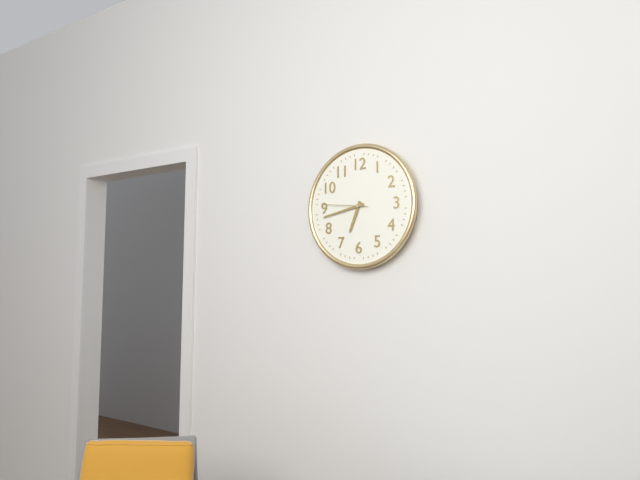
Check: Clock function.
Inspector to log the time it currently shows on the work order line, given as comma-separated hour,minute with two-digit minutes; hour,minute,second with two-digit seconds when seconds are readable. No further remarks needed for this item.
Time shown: 6,43
